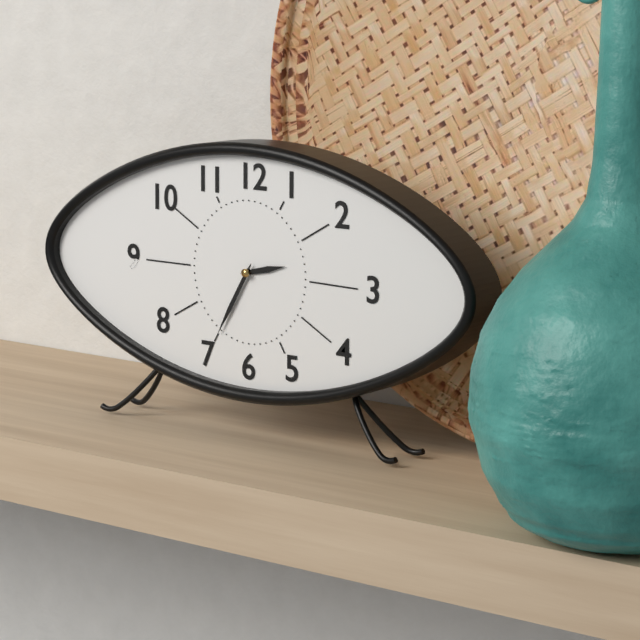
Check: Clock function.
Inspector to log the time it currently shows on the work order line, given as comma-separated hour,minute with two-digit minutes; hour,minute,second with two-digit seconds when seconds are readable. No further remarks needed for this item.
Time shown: 2,35
